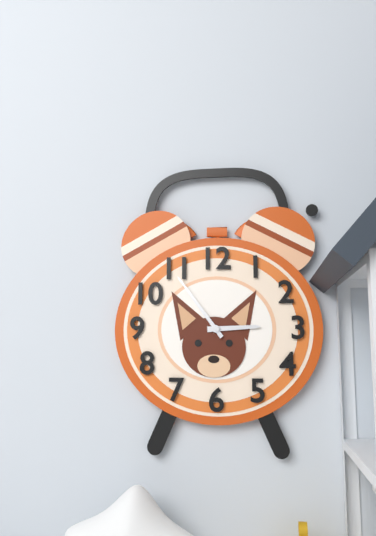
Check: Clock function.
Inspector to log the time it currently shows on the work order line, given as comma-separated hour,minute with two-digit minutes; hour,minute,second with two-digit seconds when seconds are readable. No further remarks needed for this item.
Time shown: 2,54
